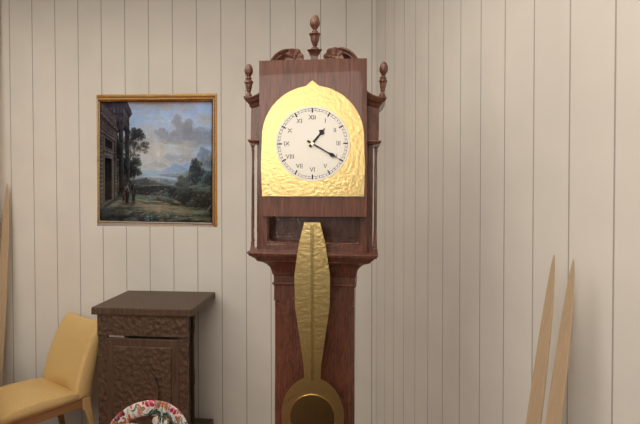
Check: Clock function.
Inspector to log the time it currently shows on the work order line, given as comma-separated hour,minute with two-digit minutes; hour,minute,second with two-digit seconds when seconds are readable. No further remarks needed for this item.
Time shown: 1,20
